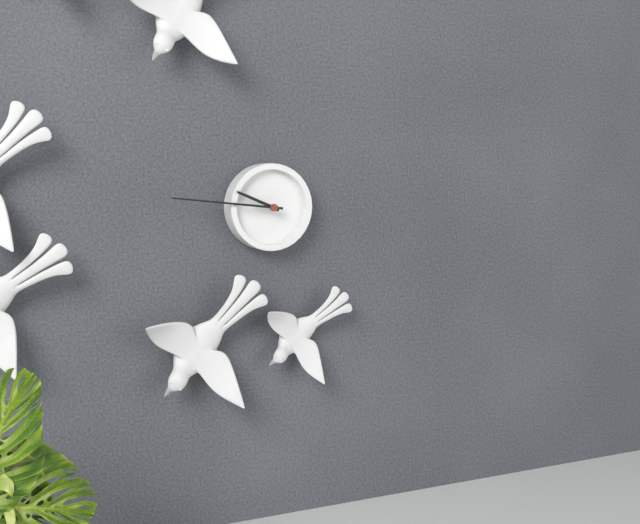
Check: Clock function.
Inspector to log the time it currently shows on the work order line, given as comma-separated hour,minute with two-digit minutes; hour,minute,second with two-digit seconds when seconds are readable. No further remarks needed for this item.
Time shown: 9,46
